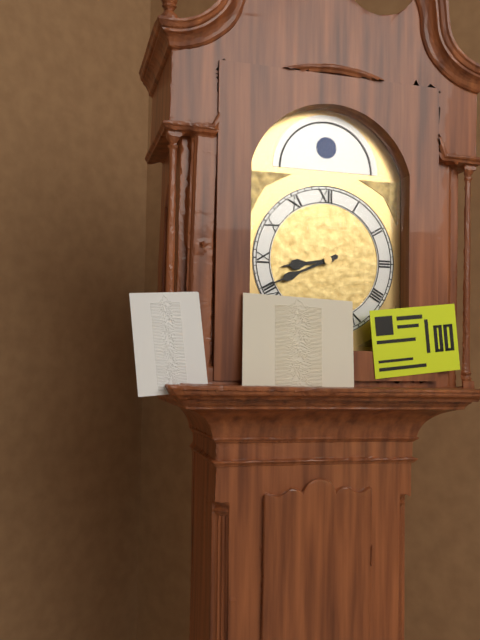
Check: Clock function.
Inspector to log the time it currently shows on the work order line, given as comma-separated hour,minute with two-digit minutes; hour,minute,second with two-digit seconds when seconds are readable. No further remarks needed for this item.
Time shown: 8,41
